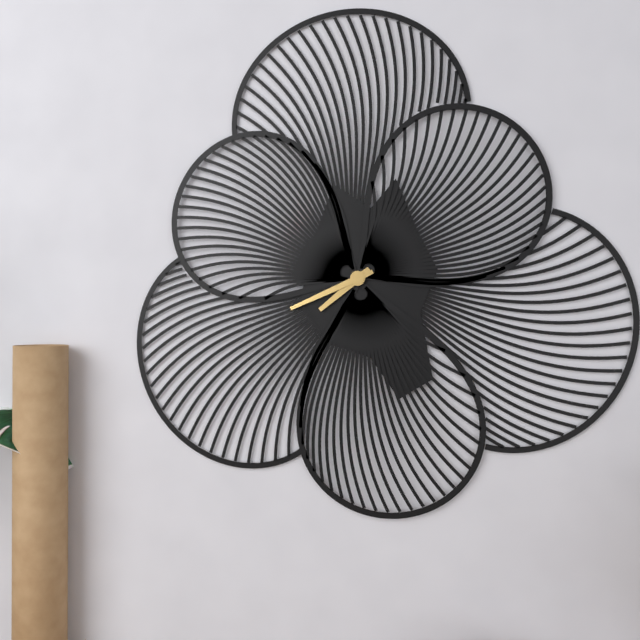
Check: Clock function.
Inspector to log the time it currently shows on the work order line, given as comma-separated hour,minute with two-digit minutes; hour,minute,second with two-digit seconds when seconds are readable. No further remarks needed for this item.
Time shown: 7,41
